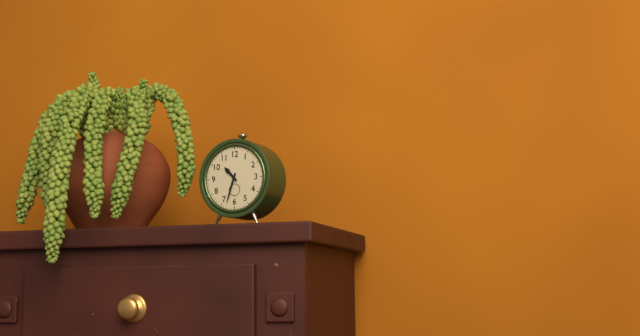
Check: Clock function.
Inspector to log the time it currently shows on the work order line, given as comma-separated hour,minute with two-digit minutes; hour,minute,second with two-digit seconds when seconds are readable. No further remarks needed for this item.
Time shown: 10,33
